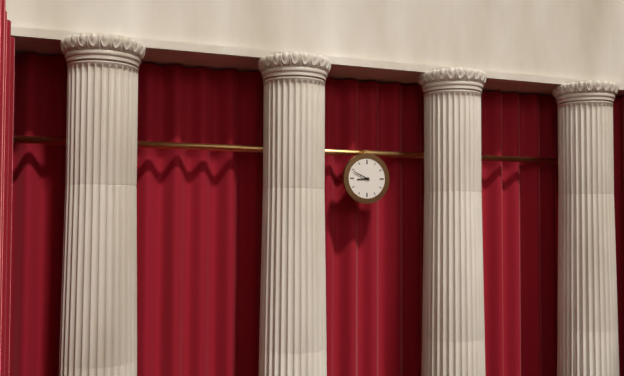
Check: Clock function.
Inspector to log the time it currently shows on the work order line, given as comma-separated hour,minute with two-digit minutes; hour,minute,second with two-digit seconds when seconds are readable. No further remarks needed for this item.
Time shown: 8,49
